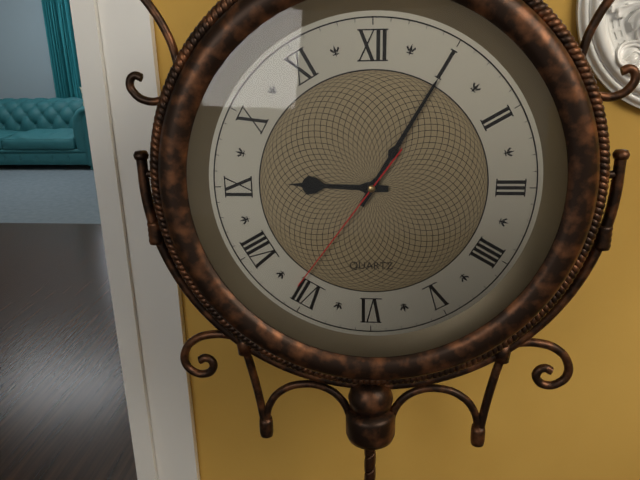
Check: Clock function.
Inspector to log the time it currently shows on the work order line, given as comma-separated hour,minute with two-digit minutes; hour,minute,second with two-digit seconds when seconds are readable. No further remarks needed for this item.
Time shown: 9,05,36
